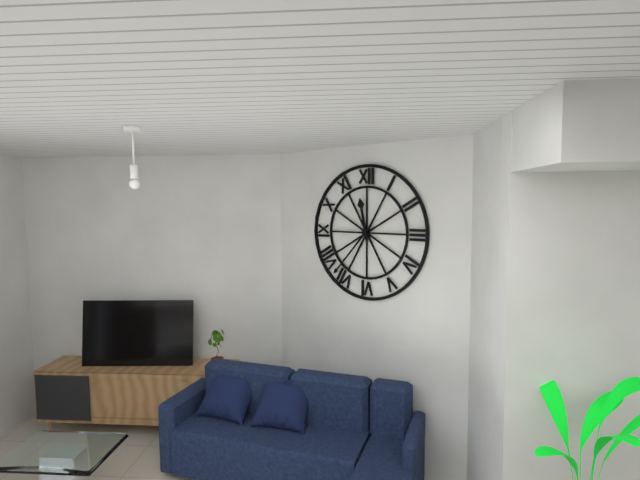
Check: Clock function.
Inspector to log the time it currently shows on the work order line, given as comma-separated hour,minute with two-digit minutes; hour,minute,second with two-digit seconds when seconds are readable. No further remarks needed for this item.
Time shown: 11,37
